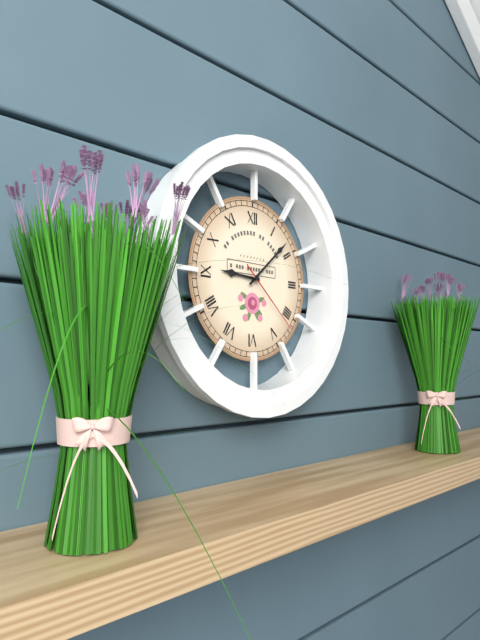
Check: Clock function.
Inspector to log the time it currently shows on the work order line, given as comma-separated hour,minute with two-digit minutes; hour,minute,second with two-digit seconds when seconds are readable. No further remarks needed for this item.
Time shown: 9,08,22
